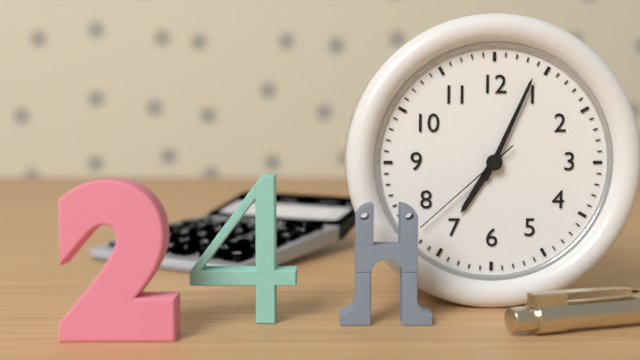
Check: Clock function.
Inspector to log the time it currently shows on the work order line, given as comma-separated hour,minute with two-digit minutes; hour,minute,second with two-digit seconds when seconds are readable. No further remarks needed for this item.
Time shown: 7,04,38
